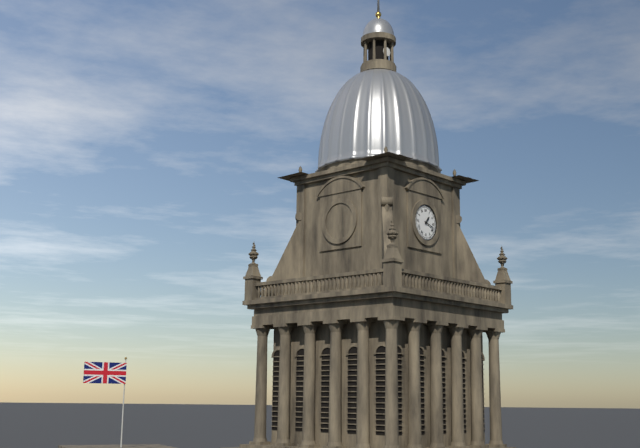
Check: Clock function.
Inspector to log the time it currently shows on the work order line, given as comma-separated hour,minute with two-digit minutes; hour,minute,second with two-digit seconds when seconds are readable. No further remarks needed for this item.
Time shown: 1,18
